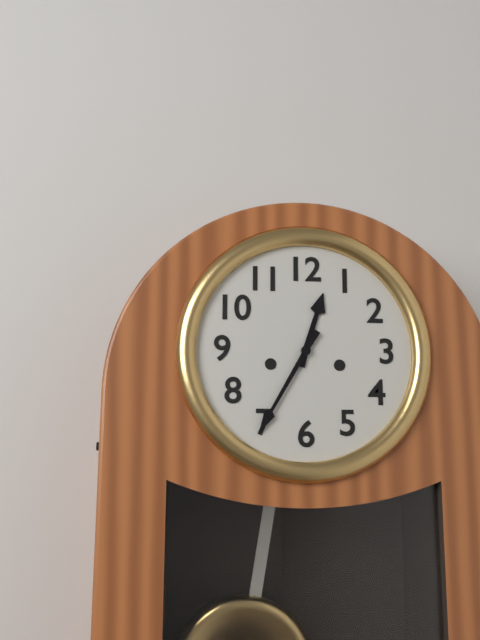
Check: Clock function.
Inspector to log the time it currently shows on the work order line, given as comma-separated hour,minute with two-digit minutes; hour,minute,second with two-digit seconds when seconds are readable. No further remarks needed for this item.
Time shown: 12,35
